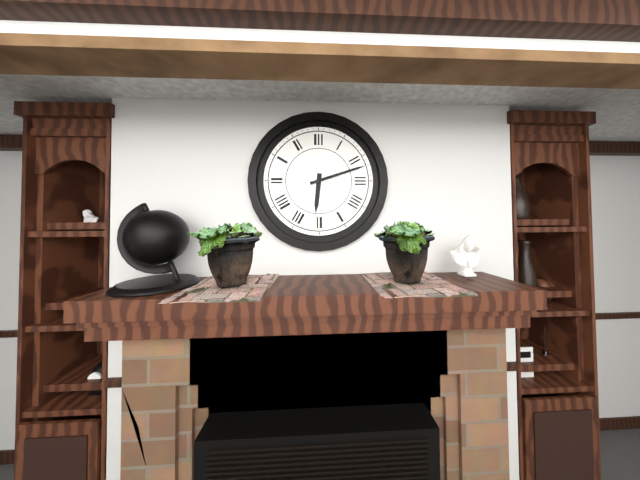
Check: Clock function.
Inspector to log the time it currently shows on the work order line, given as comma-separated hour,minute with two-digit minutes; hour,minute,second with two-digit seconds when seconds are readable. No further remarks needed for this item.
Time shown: 6,12
